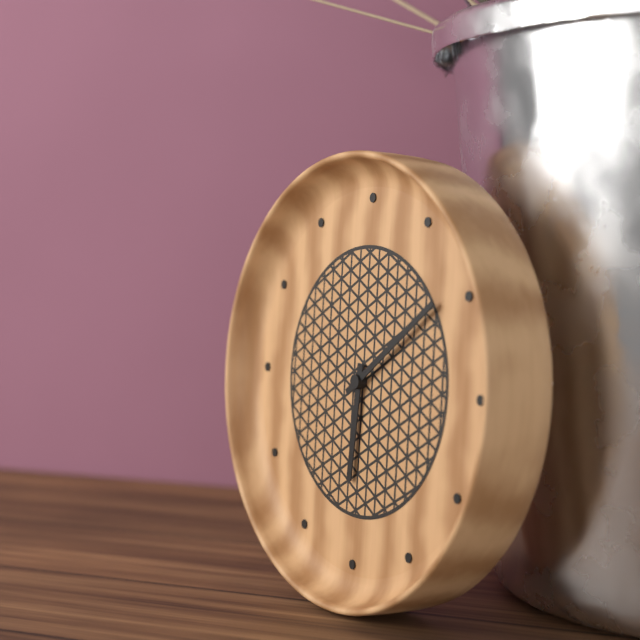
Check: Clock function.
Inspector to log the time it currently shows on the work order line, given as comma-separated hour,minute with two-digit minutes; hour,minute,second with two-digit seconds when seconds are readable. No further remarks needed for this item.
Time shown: 6,09
